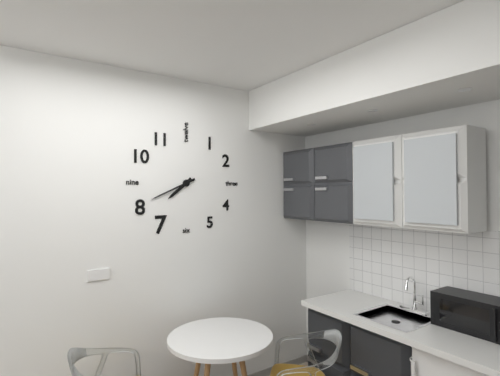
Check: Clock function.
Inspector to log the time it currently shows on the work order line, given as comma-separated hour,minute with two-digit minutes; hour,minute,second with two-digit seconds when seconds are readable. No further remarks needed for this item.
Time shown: 7,41
